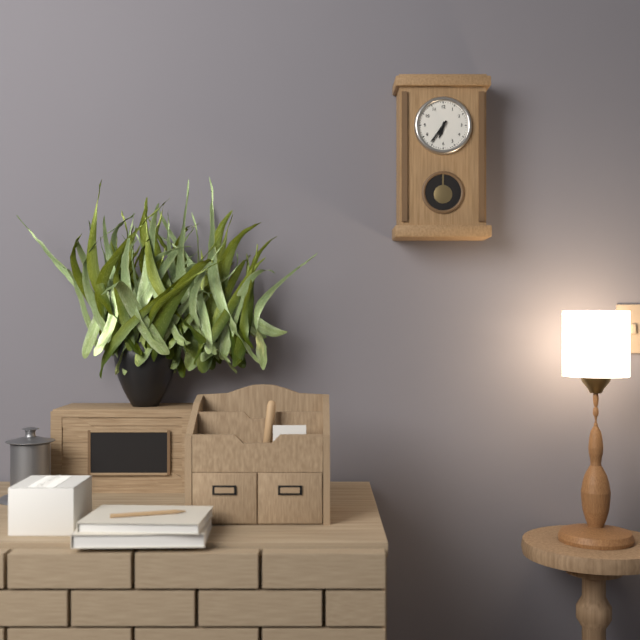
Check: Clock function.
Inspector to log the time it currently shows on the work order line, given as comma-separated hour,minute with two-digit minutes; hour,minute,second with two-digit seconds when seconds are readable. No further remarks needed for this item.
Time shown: 6,36
